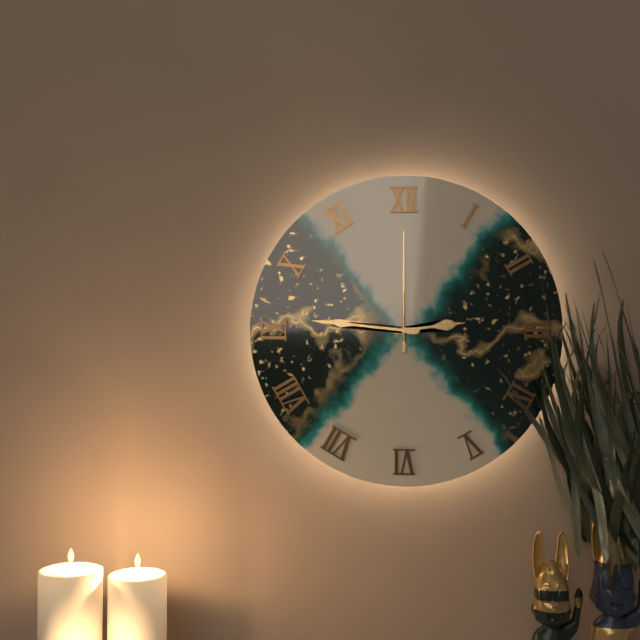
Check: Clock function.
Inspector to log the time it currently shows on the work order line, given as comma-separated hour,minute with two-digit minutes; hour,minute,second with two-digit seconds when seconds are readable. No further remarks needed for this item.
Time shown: 2,46,00
